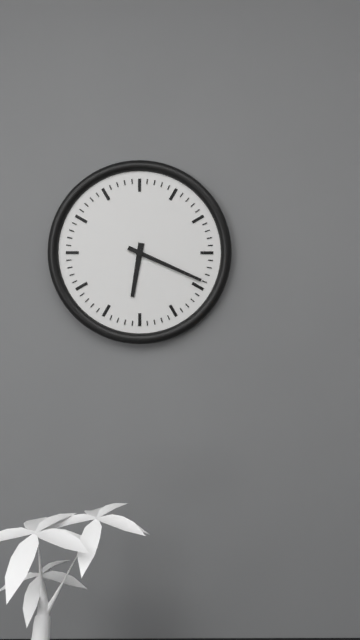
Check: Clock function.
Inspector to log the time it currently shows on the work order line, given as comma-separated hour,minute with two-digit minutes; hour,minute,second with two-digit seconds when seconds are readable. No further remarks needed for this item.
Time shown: 6,19
